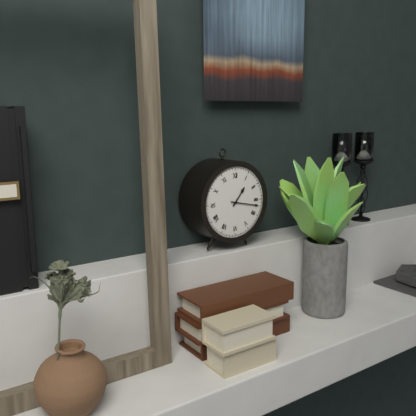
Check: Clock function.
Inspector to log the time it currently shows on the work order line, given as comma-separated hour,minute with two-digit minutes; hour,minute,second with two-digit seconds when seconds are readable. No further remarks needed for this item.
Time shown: 1,17
